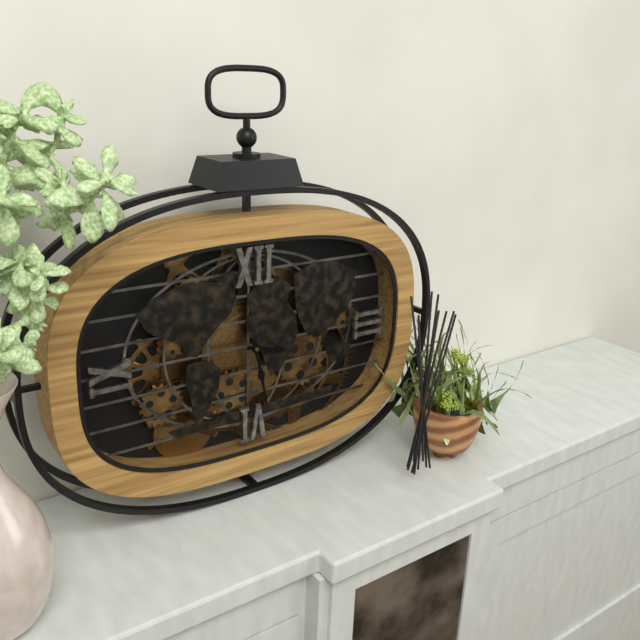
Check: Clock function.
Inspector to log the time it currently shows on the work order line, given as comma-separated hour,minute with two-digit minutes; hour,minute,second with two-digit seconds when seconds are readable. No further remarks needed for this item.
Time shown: 3,28
